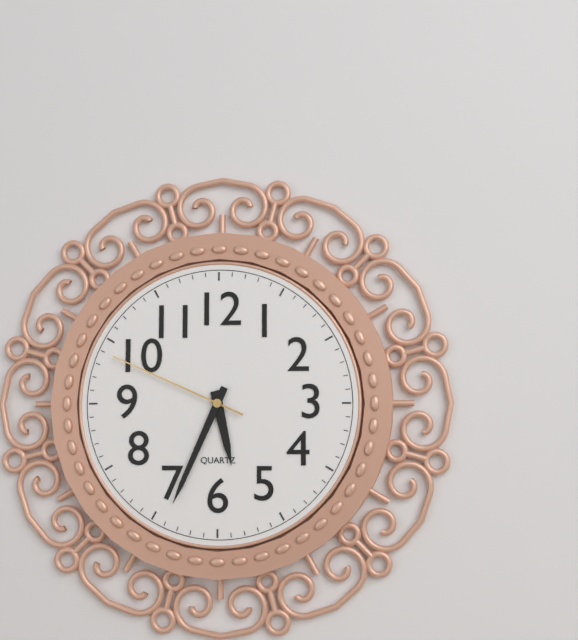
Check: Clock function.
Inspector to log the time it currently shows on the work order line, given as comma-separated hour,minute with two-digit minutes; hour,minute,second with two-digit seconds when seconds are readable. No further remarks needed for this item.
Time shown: 5,34,49
